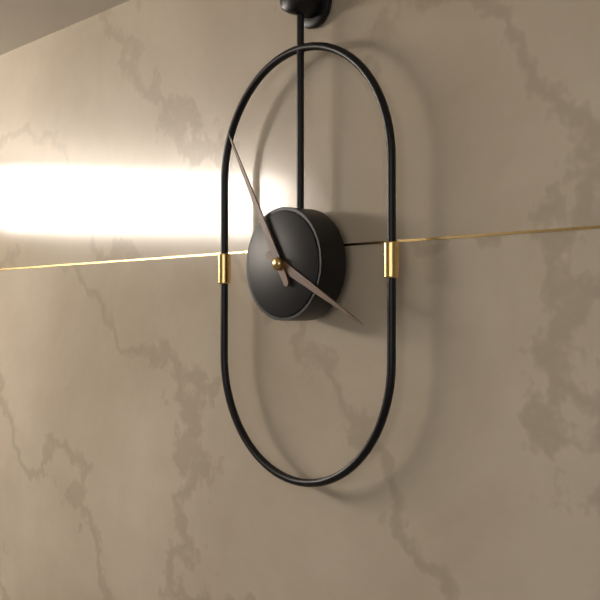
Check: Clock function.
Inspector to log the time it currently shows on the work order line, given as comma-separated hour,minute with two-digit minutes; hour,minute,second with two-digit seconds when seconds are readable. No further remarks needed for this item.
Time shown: 3,55
